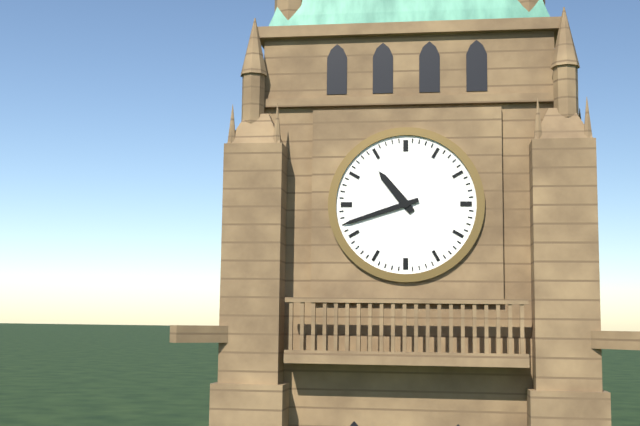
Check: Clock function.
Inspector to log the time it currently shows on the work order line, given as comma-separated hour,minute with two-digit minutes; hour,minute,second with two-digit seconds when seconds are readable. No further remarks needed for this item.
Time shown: 10,42
